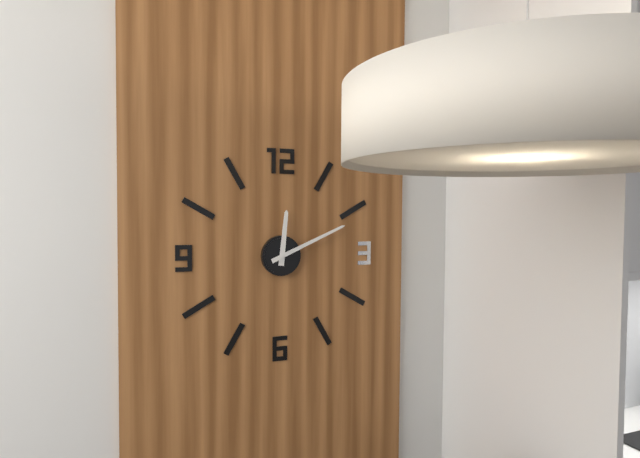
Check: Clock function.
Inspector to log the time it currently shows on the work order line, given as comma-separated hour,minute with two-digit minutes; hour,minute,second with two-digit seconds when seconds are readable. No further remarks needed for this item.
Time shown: 12,11
